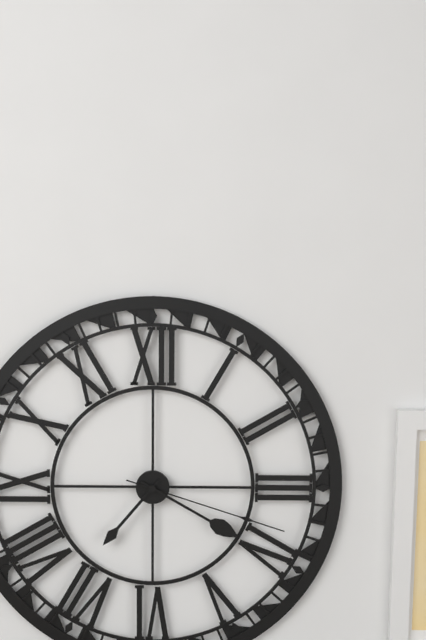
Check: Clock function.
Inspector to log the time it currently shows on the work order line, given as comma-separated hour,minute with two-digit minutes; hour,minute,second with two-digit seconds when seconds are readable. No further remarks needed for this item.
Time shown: 7,20,18
